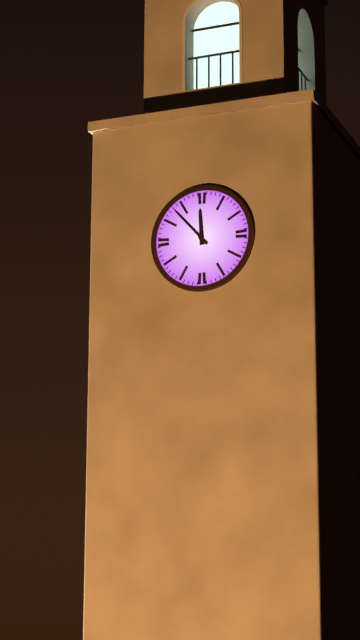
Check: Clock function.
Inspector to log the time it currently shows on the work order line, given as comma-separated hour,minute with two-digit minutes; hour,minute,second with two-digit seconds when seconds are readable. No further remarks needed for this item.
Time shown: 11,53
